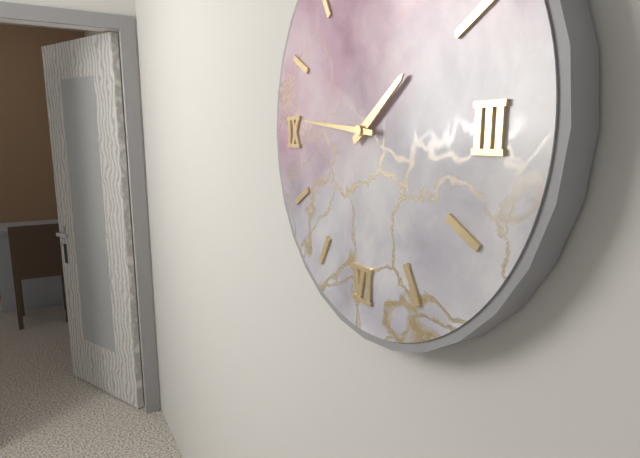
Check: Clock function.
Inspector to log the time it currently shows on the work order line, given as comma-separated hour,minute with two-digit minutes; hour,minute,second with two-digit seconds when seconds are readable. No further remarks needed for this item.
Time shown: 1,46
